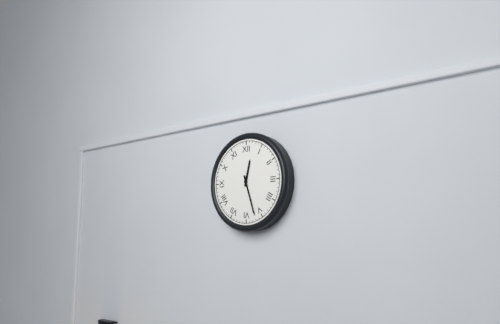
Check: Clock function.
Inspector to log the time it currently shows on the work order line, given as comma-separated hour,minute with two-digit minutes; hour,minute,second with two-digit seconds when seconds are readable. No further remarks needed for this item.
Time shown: 12,27
